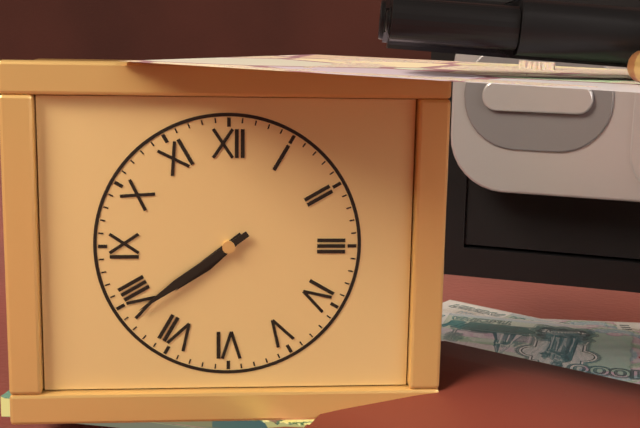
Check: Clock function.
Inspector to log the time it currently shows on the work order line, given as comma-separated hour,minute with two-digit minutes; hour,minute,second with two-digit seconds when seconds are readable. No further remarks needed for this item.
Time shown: 7,39
